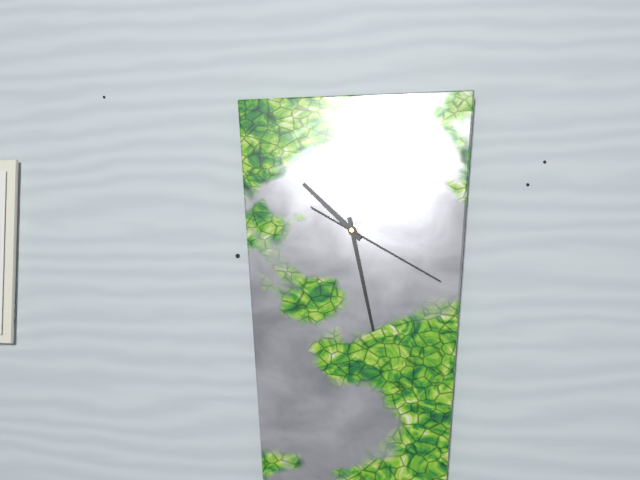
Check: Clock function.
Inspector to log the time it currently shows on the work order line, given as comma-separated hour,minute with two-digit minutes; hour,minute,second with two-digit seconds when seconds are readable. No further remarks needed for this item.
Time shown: 10,28,20
